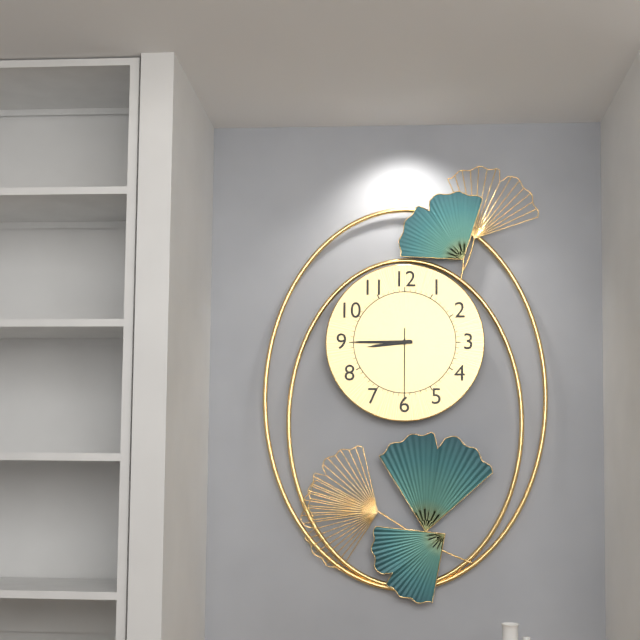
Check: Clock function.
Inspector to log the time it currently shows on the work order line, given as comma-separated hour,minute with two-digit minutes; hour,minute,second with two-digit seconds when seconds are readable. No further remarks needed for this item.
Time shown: 8,45,30
